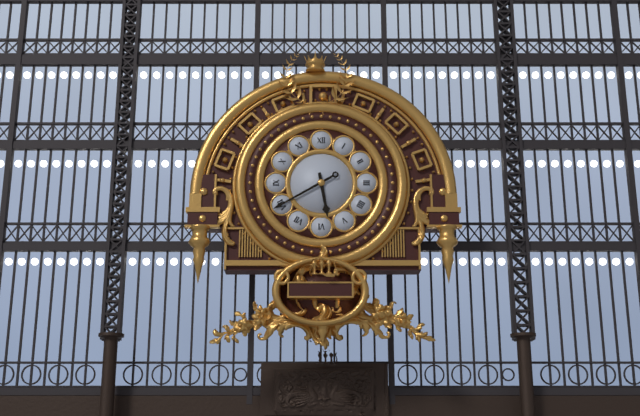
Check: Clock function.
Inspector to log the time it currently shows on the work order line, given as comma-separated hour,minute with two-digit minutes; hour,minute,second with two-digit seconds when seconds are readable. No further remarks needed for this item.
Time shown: 5,40
